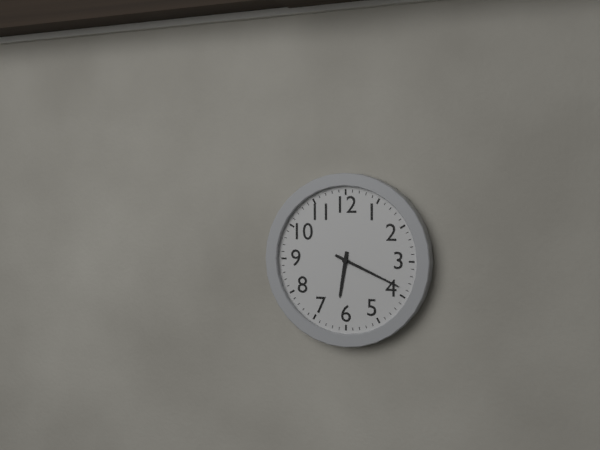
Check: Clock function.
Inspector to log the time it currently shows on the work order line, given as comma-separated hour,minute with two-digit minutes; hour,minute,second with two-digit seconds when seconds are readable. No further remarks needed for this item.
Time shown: 6,19
